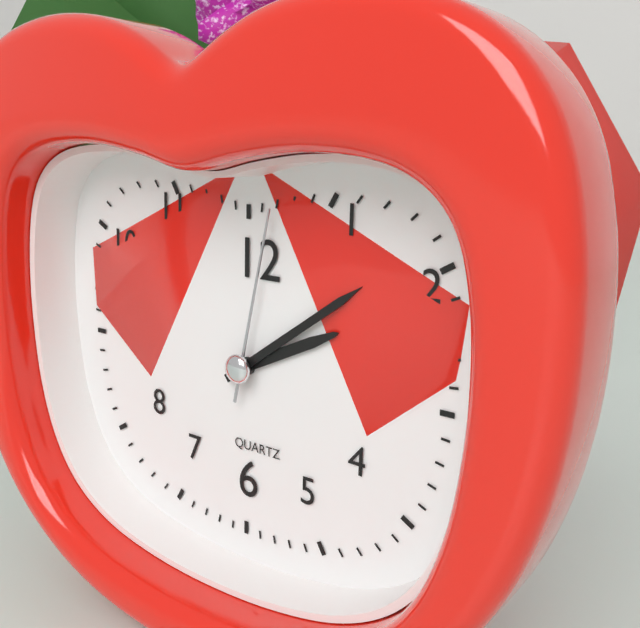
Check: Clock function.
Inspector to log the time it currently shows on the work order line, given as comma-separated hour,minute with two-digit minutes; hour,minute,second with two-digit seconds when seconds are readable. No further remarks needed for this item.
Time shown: 2,09,02
